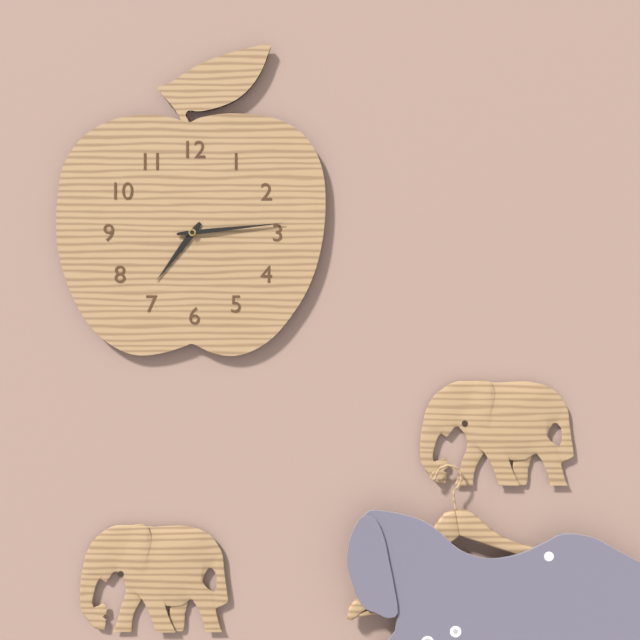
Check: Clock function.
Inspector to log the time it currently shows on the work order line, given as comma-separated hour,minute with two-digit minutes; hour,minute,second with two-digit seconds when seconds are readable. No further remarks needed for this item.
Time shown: 7,14
